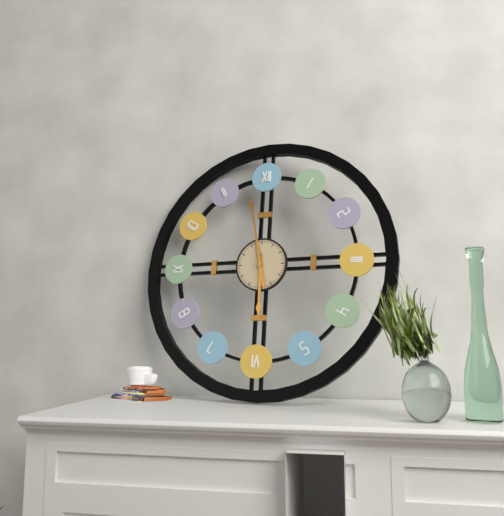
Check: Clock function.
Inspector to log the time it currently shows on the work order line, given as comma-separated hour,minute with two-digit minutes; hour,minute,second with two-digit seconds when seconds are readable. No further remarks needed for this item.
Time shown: 5,58
